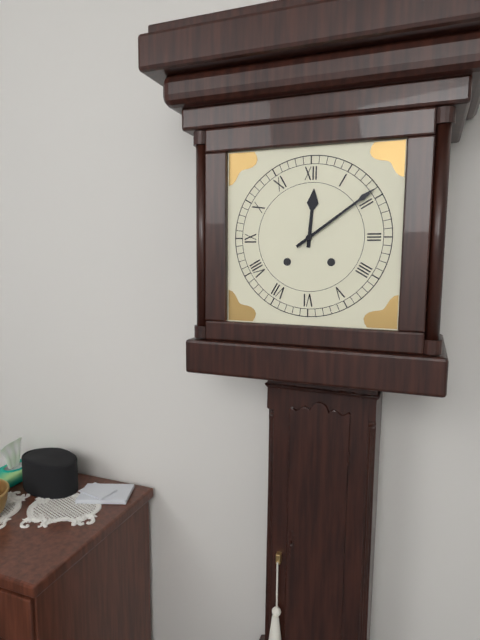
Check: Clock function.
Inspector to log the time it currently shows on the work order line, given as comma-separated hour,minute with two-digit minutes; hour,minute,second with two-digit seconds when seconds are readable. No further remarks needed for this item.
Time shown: 12,09
